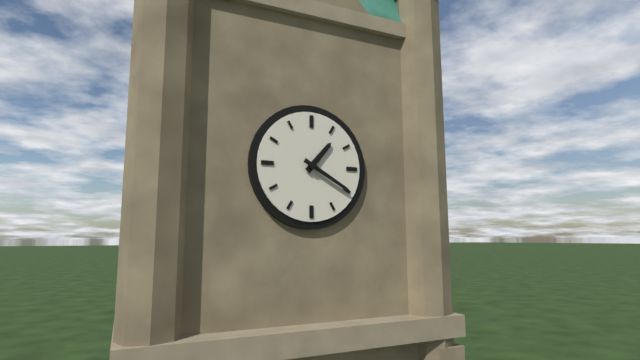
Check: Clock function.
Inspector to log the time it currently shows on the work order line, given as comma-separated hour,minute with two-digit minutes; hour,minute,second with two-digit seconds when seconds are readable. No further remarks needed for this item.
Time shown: 1,20
